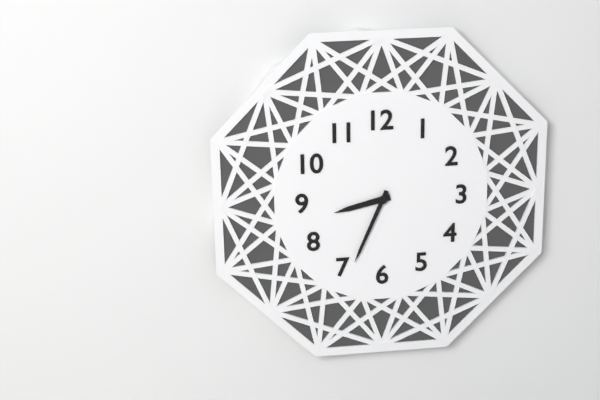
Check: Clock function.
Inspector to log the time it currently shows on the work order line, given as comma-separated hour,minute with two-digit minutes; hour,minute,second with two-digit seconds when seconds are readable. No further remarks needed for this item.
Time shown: 8,34
